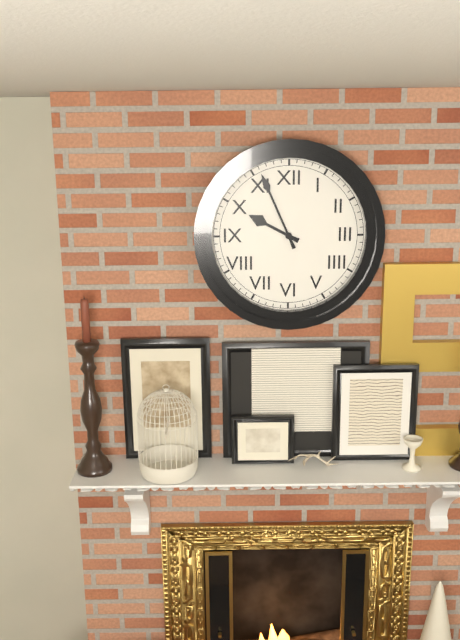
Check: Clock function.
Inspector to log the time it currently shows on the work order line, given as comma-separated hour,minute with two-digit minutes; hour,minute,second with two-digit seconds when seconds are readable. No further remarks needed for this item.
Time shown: 9,56
